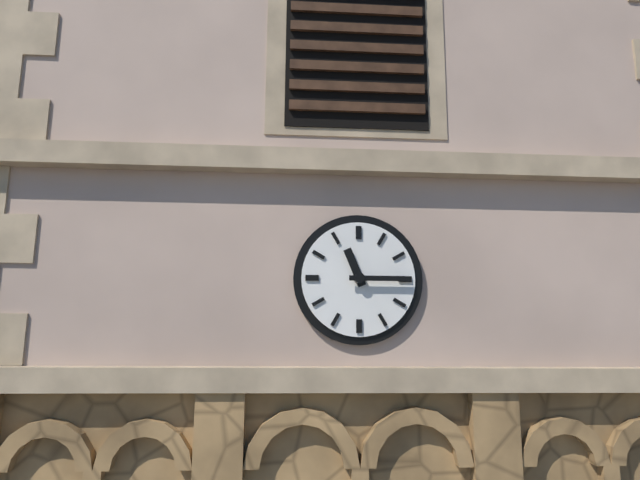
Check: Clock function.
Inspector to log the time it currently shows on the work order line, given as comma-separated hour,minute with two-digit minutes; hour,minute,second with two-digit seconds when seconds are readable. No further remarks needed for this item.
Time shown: 11,15
